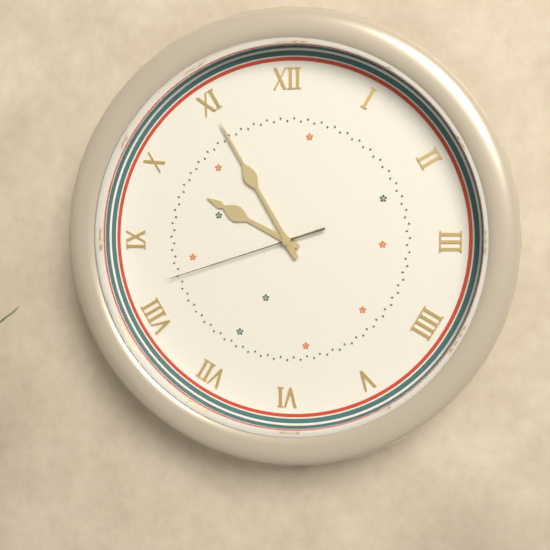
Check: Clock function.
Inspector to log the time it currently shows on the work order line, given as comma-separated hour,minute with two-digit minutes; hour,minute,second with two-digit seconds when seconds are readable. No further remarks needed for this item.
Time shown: 9,55,42
